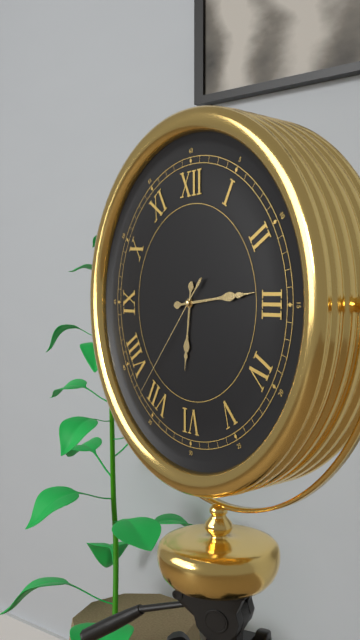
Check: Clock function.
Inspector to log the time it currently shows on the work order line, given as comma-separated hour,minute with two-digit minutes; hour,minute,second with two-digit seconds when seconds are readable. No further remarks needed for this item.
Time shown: 6,14,37
